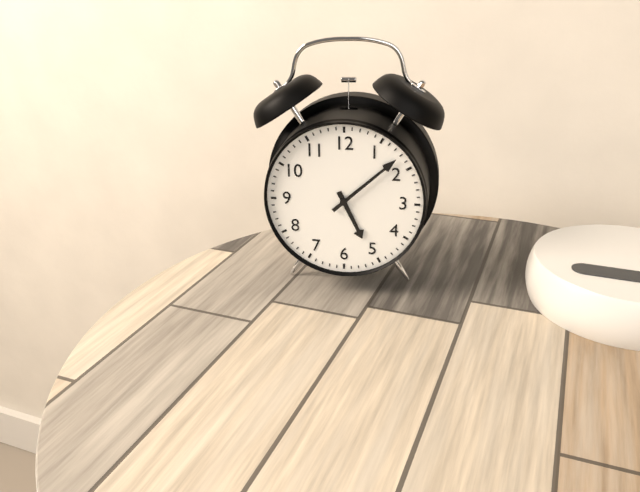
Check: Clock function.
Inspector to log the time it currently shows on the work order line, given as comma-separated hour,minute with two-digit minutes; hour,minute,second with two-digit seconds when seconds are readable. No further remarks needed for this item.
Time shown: 5,08
